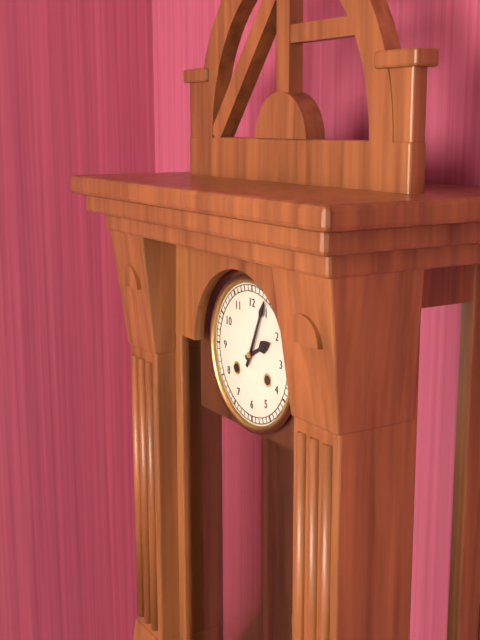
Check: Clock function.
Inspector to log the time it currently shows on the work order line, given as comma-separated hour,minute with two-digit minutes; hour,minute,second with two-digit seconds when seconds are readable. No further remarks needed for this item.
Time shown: 2,04
